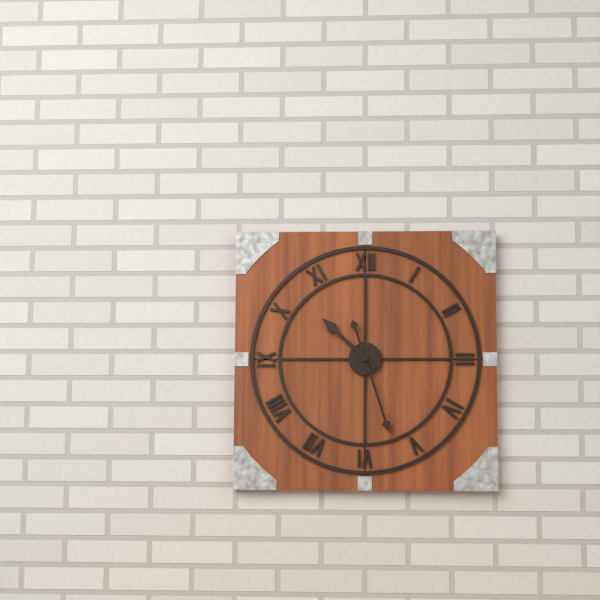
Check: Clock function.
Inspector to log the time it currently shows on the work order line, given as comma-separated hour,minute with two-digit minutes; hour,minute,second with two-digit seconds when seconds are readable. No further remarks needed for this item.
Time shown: 10,27
